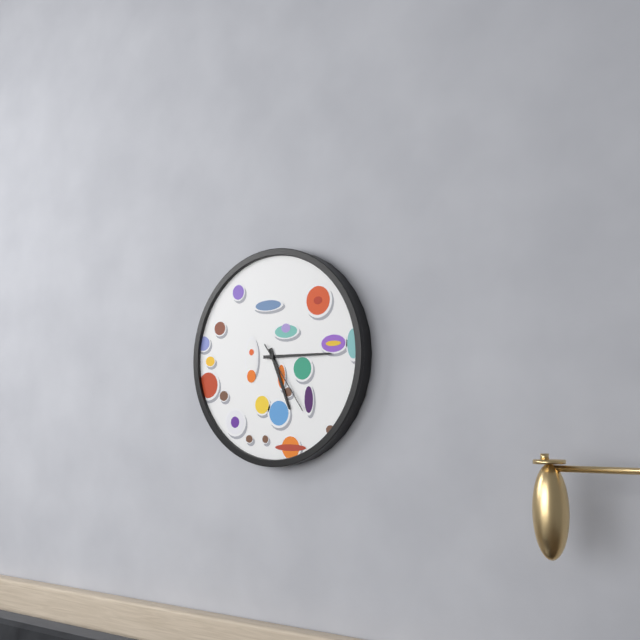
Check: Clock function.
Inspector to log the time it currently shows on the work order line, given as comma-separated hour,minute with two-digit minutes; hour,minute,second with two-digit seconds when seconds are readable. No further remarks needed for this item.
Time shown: 5,15,24
